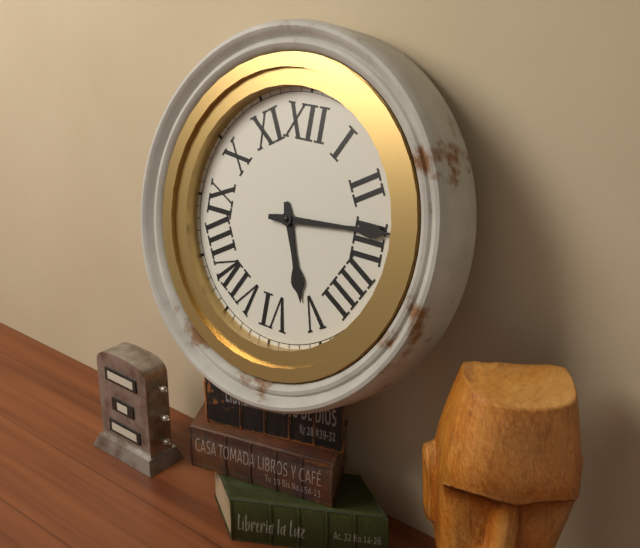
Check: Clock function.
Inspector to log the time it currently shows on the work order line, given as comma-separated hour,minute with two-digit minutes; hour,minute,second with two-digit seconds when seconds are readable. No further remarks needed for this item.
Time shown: 5,14
